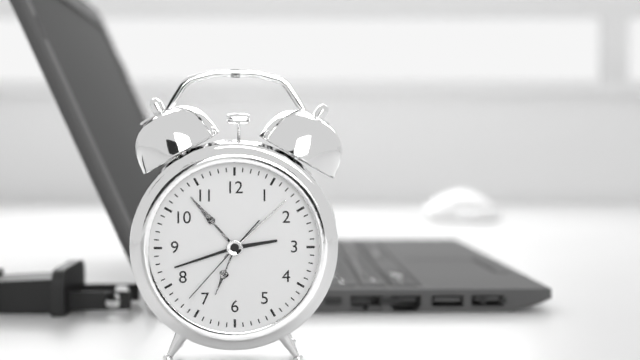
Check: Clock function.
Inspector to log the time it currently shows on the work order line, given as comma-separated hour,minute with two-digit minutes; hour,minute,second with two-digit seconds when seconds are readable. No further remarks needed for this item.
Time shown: 2,42,37
